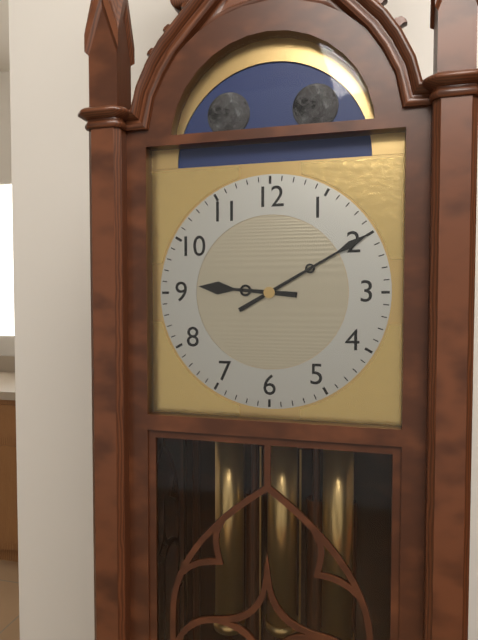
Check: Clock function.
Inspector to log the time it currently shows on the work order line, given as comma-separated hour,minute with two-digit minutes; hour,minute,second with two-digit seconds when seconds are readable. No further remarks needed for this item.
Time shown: 9,10
